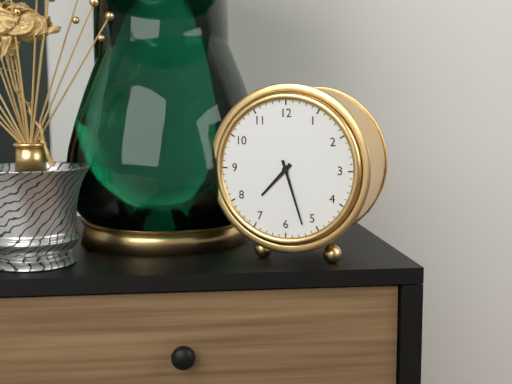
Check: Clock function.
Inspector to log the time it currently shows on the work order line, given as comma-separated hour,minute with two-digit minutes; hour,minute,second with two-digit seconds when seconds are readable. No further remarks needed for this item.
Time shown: 7,27
